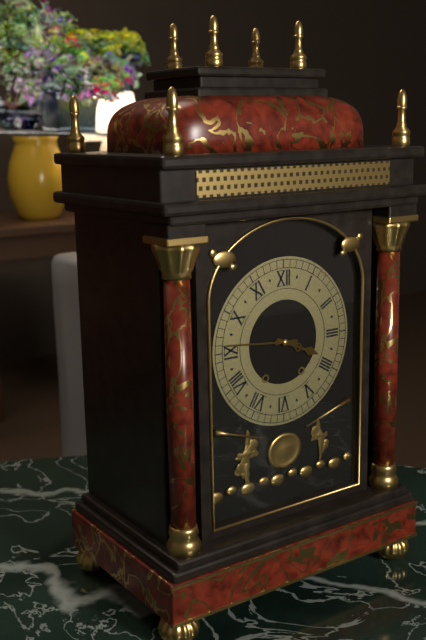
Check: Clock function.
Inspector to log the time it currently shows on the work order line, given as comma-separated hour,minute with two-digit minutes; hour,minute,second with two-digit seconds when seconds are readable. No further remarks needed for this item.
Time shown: 3,46
